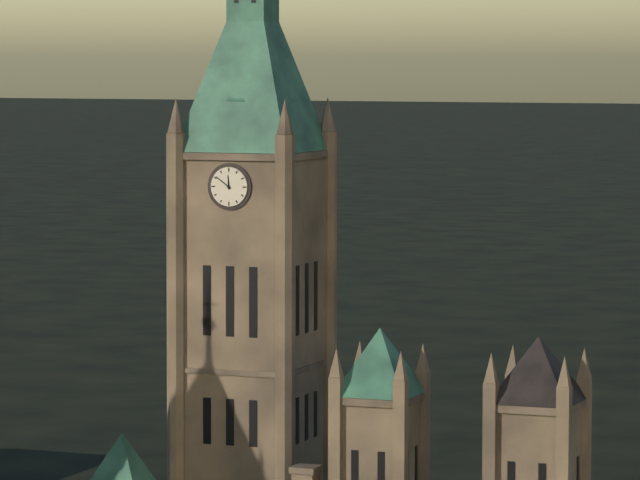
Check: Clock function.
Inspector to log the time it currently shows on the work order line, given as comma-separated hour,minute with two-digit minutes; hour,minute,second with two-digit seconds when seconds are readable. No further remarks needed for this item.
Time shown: 11,51
